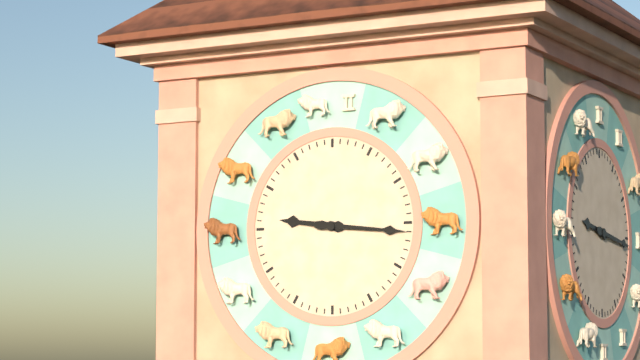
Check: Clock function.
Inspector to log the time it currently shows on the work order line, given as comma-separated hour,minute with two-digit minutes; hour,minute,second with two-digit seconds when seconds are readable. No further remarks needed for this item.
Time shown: 9,16
